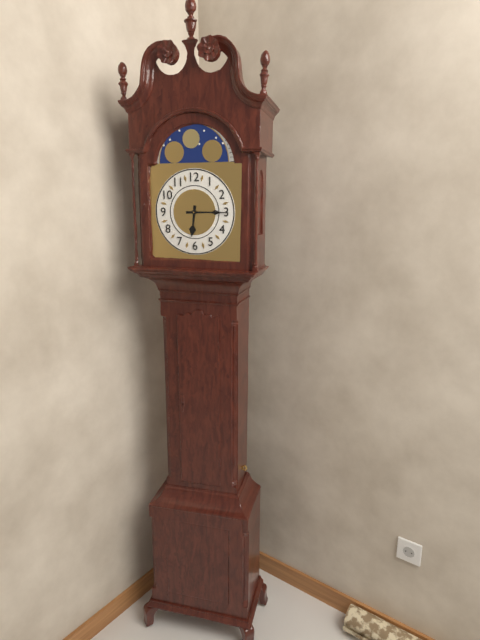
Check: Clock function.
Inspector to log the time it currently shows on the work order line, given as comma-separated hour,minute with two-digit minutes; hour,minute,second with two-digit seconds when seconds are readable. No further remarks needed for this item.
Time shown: 6,15
